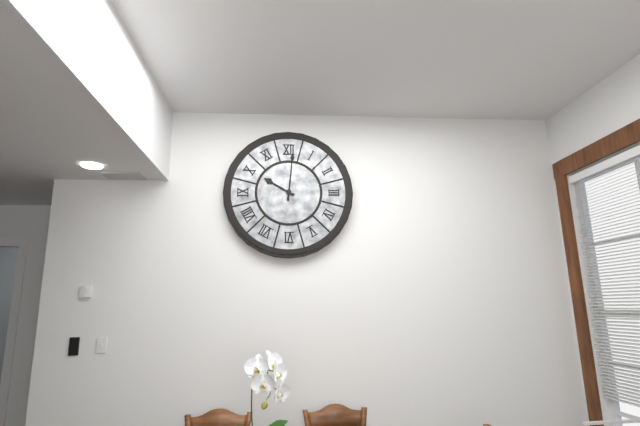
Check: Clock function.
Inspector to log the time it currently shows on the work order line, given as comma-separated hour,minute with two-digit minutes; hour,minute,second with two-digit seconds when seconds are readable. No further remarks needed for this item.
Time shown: 10,01
